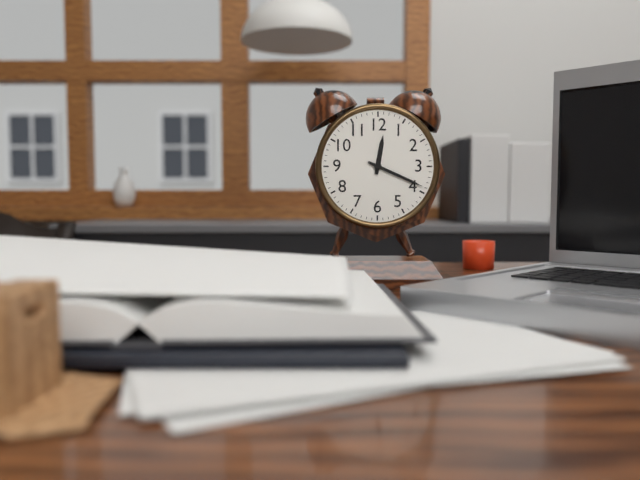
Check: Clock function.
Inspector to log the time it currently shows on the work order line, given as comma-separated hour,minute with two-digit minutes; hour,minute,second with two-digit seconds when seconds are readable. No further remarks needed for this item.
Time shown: 12,19
